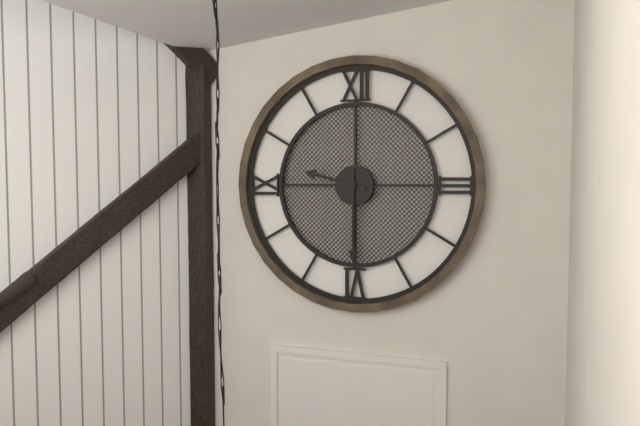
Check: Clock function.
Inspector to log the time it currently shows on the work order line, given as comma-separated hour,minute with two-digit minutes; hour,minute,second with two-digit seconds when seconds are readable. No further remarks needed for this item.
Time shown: 9,30
